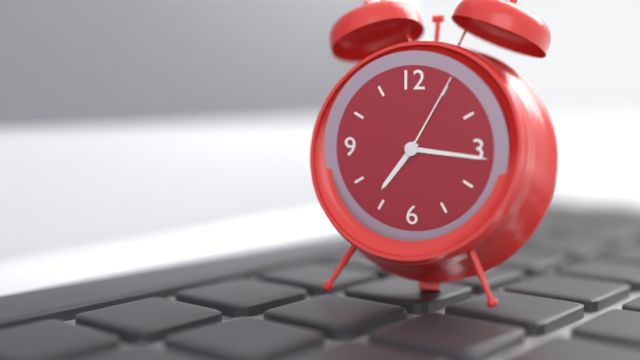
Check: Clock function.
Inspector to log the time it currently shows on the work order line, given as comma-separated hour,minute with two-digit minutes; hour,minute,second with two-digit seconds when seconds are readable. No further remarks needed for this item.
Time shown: 7,16,05
